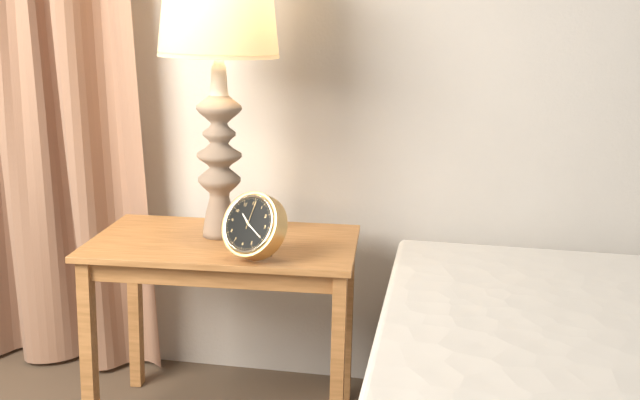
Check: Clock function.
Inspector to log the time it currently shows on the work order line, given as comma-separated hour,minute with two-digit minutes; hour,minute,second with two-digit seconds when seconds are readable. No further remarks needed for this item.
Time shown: 10,20
